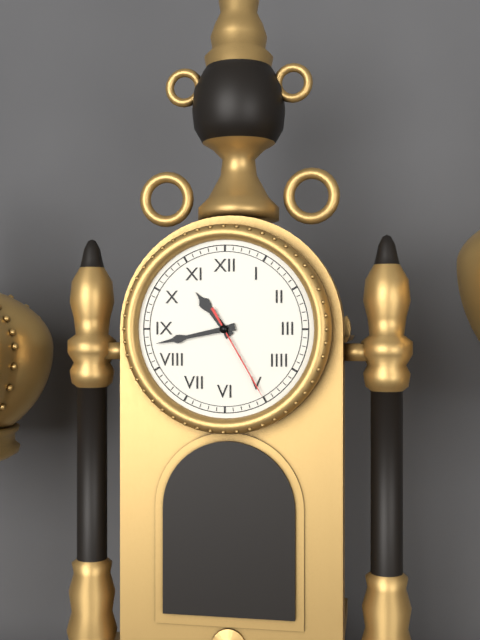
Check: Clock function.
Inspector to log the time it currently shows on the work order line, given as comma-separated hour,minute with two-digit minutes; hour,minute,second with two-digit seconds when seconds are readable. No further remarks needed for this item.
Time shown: 10,43,25
